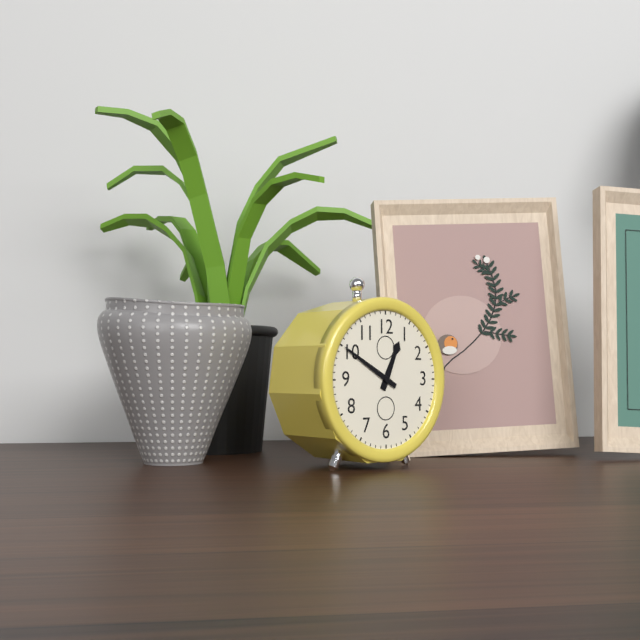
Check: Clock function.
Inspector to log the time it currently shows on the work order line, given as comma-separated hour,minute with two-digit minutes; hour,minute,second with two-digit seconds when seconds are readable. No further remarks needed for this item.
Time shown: 12,50
